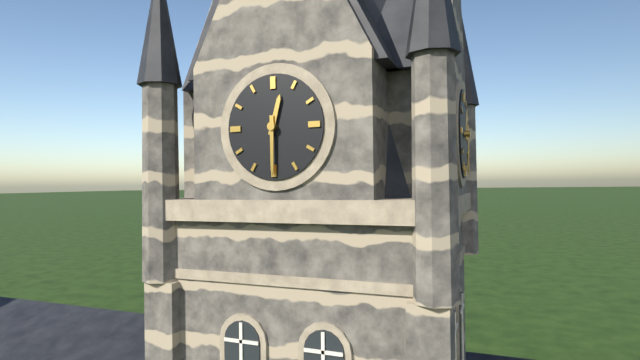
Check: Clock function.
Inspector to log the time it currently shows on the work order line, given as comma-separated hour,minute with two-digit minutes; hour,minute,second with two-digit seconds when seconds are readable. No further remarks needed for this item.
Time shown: 12,30
